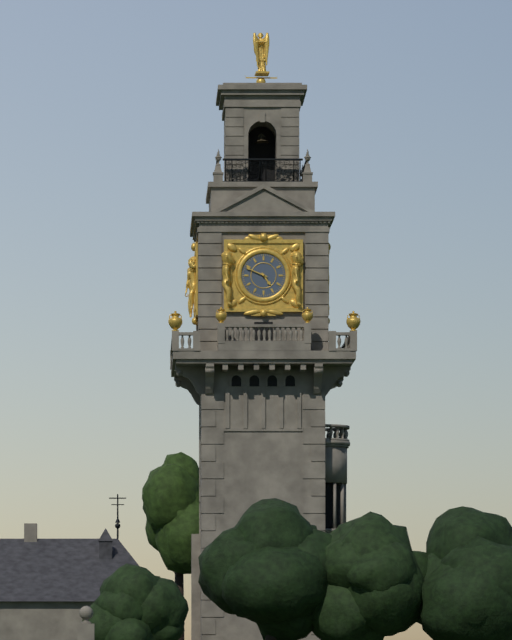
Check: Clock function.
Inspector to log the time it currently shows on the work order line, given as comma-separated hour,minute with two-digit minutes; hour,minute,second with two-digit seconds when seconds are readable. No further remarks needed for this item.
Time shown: 4,49
